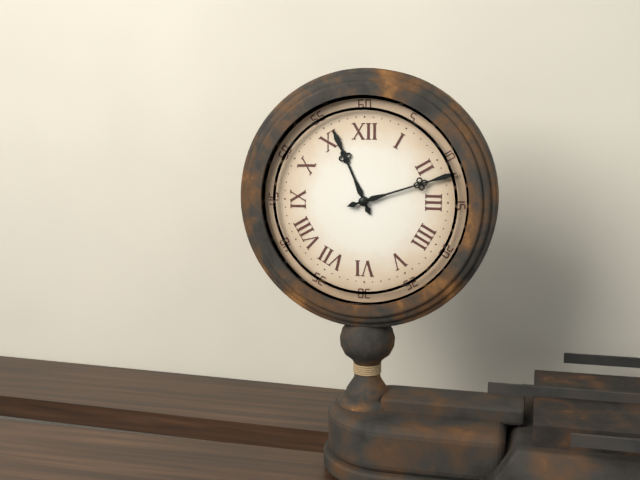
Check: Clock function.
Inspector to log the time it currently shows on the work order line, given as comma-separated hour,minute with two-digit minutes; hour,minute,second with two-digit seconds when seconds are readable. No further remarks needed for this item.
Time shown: 11,12
